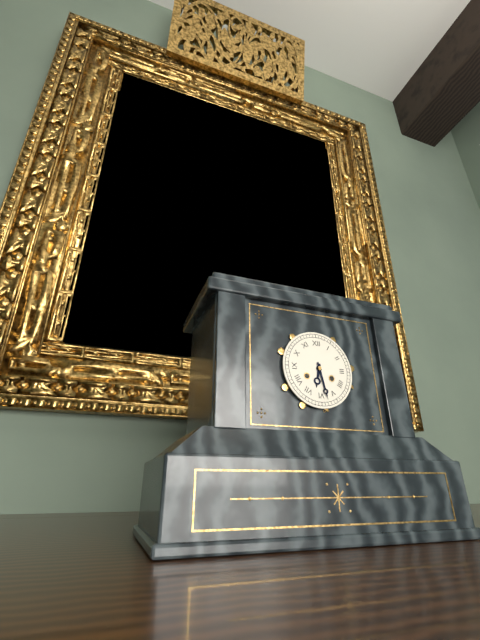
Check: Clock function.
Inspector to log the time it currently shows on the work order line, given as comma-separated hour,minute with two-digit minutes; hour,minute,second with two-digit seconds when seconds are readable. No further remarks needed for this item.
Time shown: 6,28
